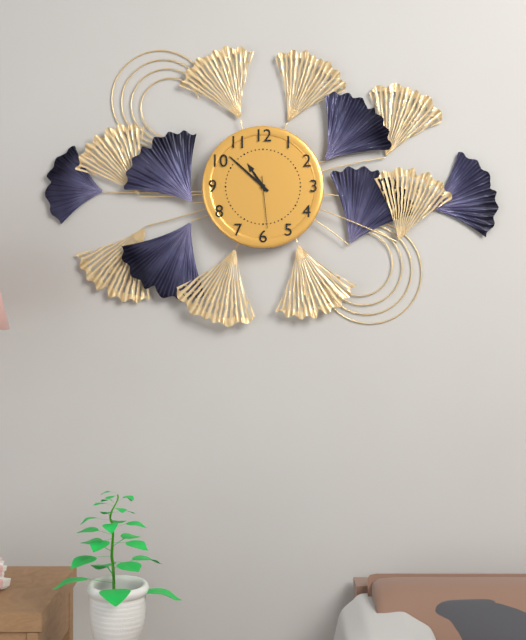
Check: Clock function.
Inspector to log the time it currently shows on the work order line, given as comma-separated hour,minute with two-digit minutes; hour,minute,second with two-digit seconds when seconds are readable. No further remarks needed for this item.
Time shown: 10,52,29
